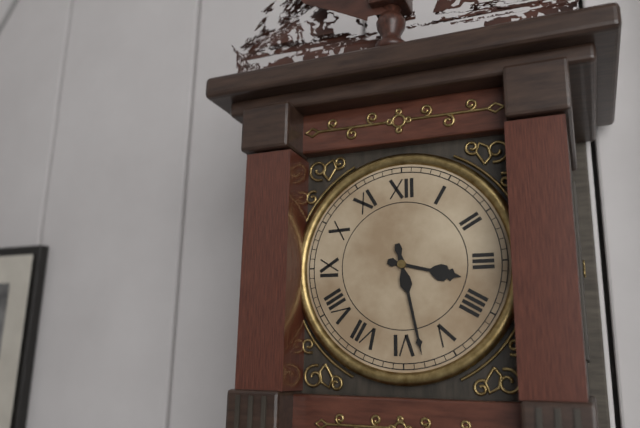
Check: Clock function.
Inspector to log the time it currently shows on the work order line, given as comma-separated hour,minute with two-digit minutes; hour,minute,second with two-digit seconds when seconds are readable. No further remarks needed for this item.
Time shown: 3,28
